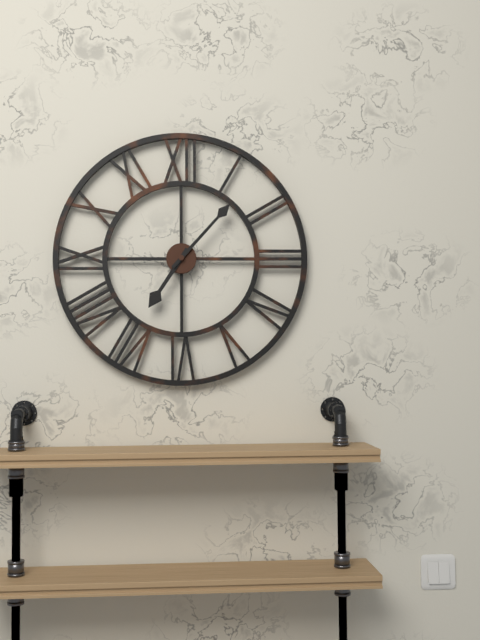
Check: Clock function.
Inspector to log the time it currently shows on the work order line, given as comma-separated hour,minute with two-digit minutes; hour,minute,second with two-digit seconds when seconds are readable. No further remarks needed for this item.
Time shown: 7,07
